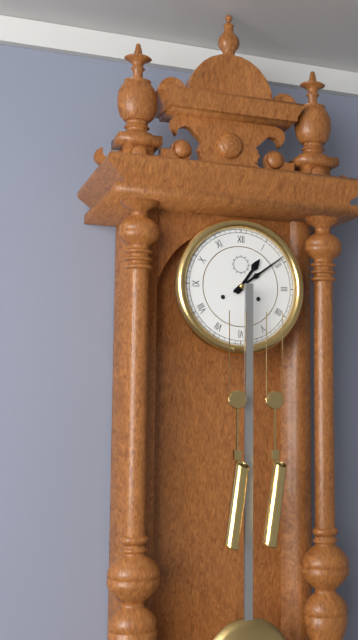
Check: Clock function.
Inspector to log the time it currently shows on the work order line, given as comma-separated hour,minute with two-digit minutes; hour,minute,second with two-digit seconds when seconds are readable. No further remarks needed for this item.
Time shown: 1,09
